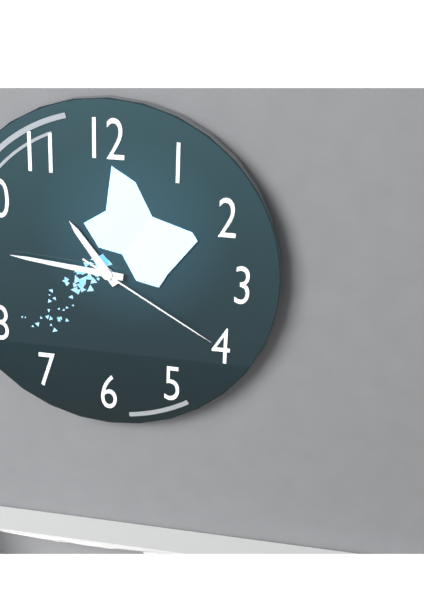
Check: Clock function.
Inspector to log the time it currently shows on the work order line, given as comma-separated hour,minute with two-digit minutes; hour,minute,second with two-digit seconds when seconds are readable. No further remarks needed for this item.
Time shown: 10,46,20
